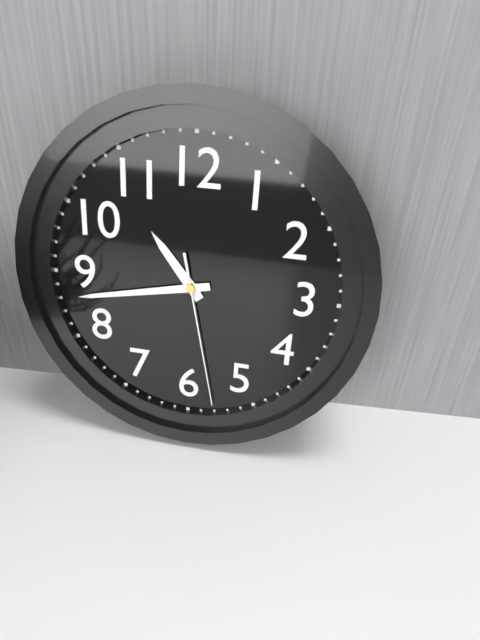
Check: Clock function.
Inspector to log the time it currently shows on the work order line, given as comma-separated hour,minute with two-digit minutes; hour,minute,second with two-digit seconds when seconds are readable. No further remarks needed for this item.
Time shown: 10,43,28
